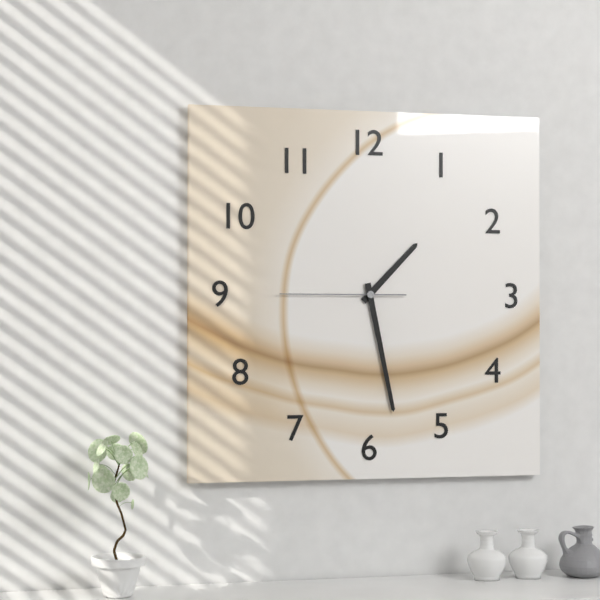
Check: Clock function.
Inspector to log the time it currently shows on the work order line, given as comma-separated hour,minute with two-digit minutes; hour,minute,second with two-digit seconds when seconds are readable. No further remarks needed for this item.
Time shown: 1,28,45
